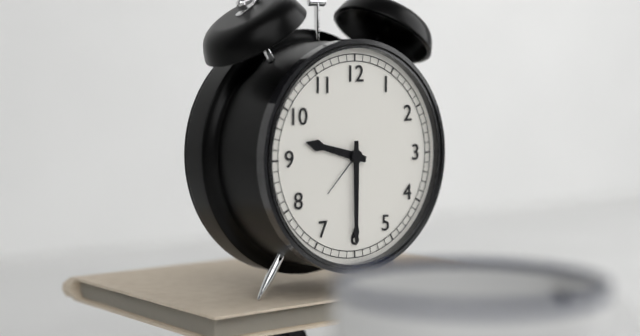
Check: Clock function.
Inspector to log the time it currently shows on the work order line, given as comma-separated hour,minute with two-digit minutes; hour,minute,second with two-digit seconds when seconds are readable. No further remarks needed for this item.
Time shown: 9,30
